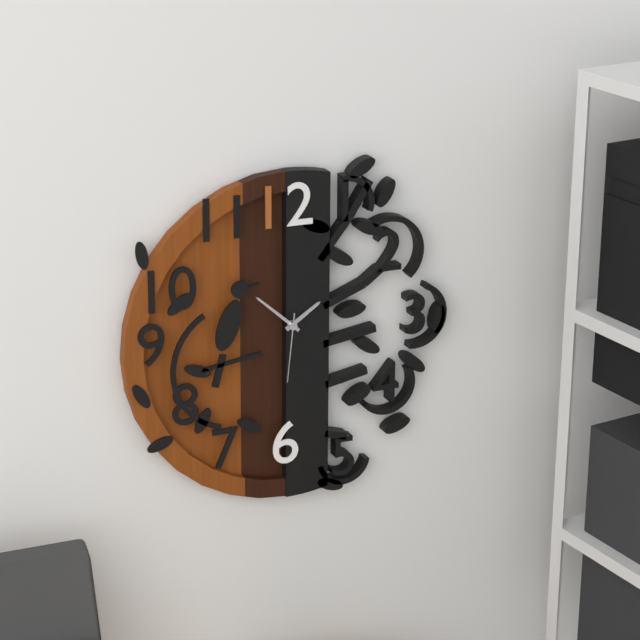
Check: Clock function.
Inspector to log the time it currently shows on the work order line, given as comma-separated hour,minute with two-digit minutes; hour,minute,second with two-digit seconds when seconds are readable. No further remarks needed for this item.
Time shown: 1,52,31
